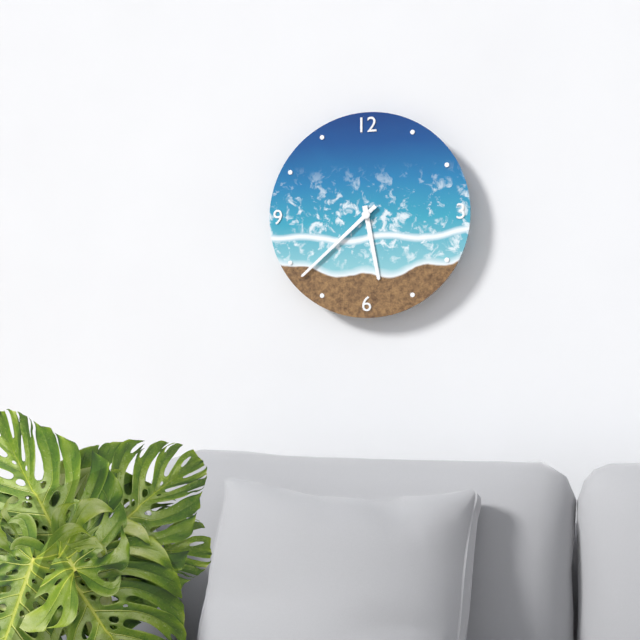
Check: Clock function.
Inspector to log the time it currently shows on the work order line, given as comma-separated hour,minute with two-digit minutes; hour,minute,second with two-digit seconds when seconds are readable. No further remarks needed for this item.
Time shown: 5,38
